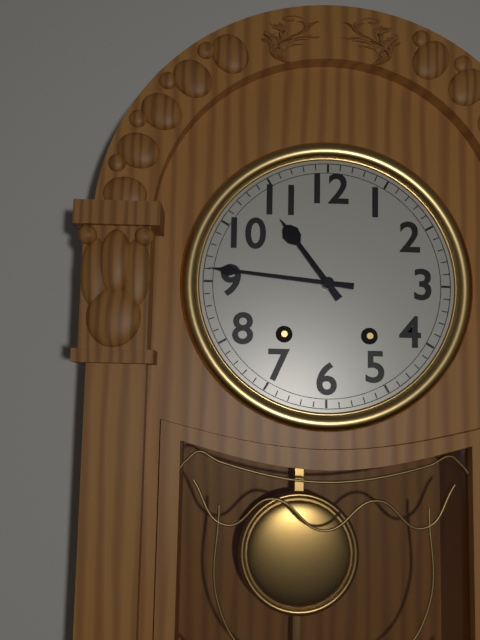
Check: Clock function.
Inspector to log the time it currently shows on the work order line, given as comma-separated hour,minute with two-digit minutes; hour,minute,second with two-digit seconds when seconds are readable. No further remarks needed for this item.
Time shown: 10,46
